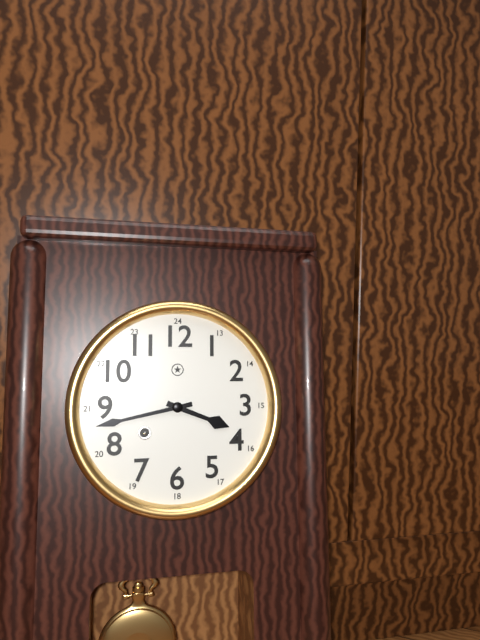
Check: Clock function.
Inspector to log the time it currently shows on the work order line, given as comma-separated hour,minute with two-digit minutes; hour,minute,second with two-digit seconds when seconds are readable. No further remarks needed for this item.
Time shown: 3,43
